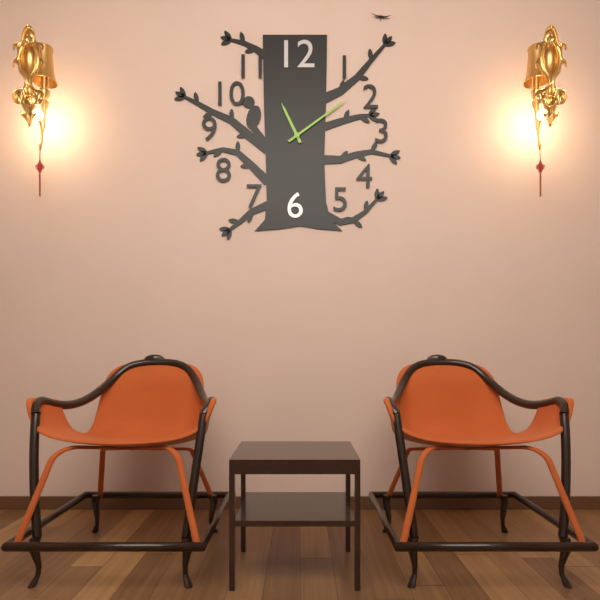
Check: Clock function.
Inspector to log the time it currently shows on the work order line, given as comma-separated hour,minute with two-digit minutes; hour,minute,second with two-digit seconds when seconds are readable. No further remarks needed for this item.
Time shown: 11,09
